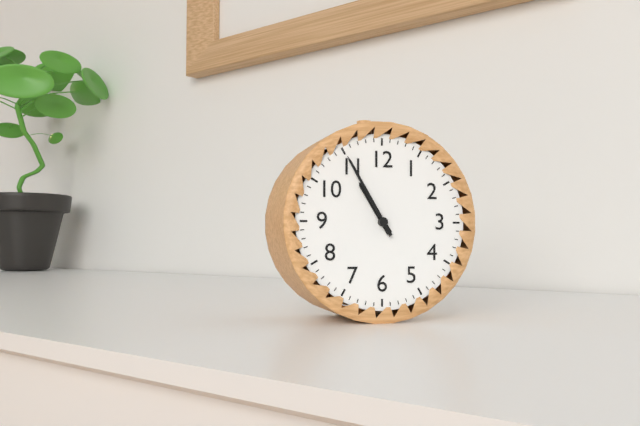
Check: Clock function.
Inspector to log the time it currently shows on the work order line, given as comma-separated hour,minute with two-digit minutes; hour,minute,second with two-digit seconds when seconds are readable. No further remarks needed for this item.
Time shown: 10,55
